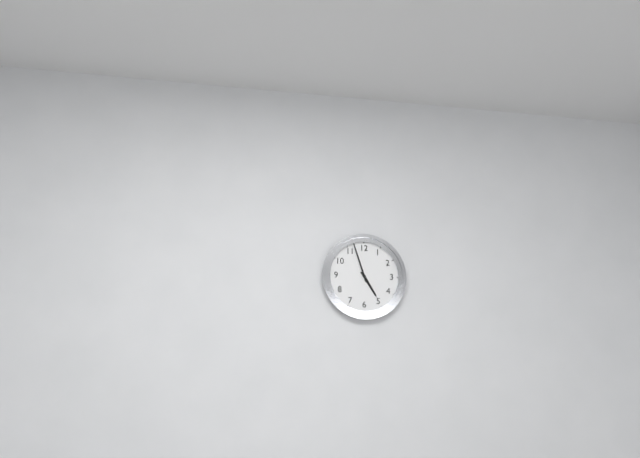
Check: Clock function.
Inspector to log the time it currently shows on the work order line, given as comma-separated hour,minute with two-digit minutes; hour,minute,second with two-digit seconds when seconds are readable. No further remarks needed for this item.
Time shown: 4,57
